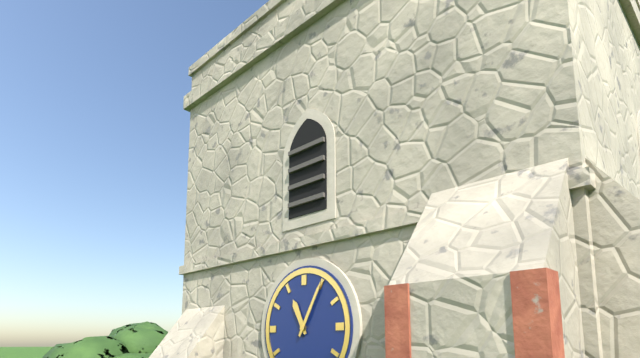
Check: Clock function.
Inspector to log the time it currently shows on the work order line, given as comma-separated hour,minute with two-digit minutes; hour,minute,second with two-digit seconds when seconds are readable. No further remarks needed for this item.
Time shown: 11,05
